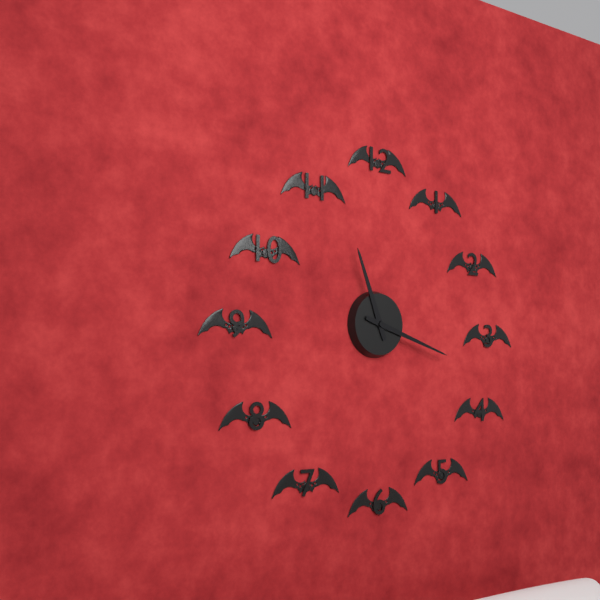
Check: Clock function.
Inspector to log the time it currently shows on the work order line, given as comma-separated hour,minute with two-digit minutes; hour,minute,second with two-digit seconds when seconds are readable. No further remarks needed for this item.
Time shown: 11,18
